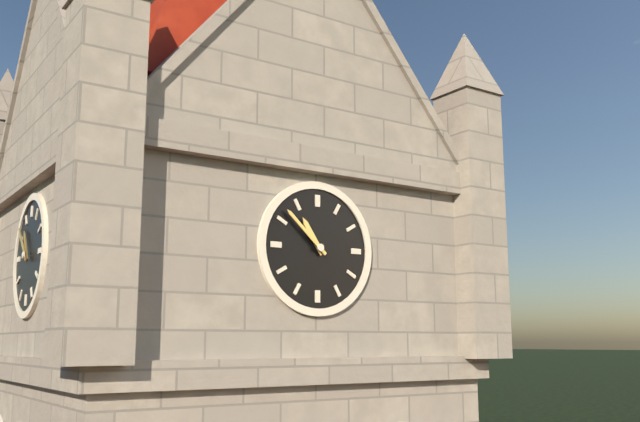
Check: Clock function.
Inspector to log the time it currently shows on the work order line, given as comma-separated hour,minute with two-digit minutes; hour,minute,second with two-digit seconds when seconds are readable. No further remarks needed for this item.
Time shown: 10,52
